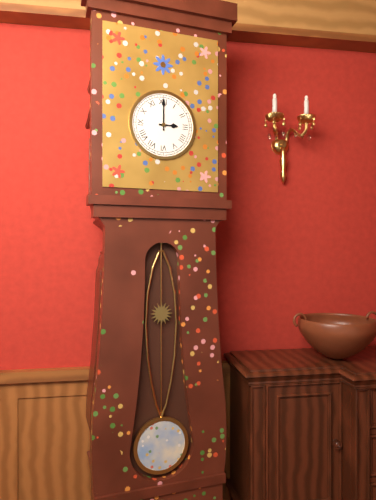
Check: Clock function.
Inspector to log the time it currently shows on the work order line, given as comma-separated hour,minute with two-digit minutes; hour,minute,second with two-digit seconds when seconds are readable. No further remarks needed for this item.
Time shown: 3,00
